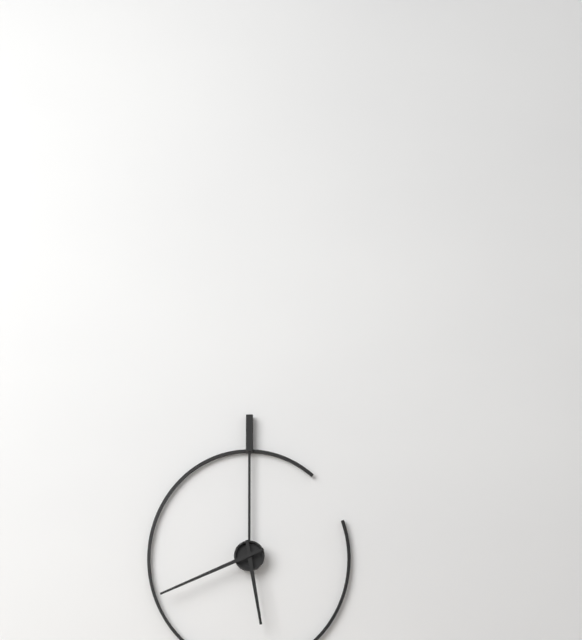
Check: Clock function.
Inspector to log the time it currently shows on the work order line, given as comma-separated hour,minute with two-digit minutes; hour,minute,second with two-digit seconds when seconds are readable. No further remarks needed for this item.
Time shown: 5,41
